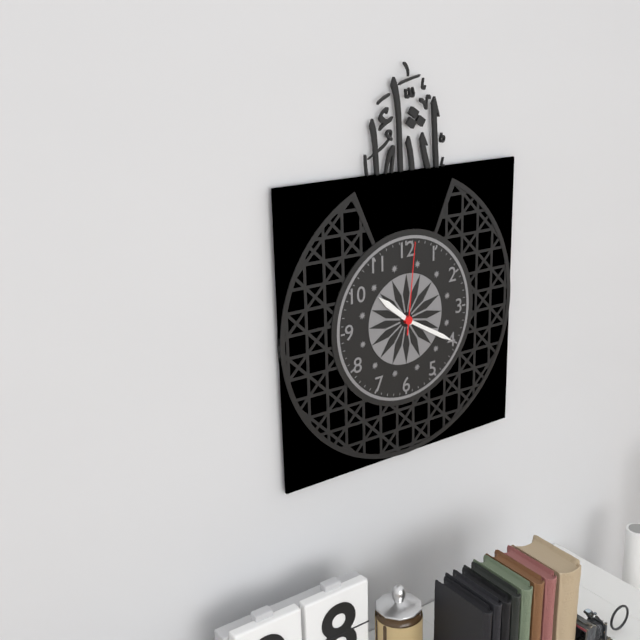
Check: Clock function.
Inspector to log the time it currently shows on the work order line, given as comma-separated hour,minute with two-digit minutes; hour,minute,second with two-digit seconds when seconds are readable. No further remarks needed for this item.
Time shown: 10,20,01
